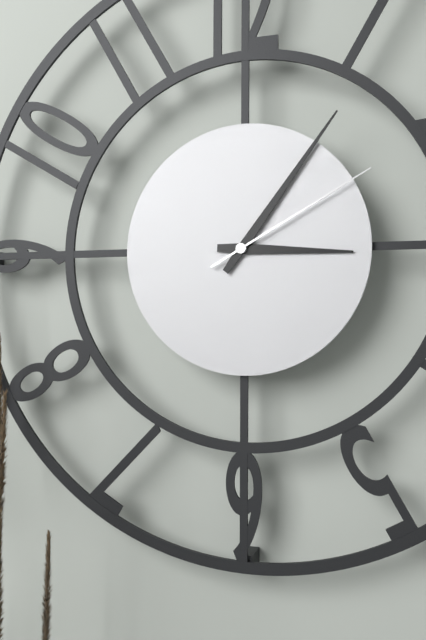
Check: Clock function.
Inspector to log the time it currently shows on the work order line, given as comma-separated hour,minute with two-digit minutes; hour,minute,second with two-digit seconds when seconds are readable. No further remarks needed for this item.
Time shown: 3,06,10
